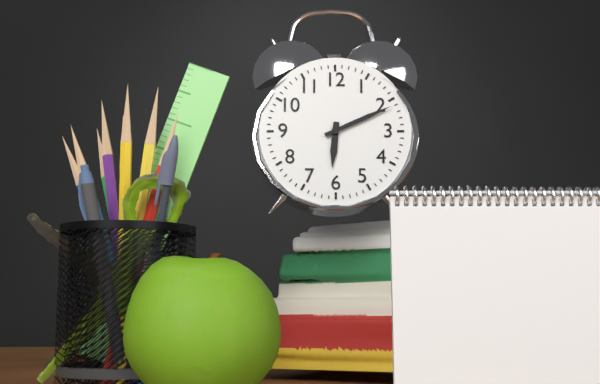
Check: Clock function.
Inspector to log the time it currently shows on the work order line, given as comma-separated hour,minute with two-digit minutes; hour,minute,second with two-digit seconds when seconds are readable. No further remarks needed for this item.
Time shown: 6,11
